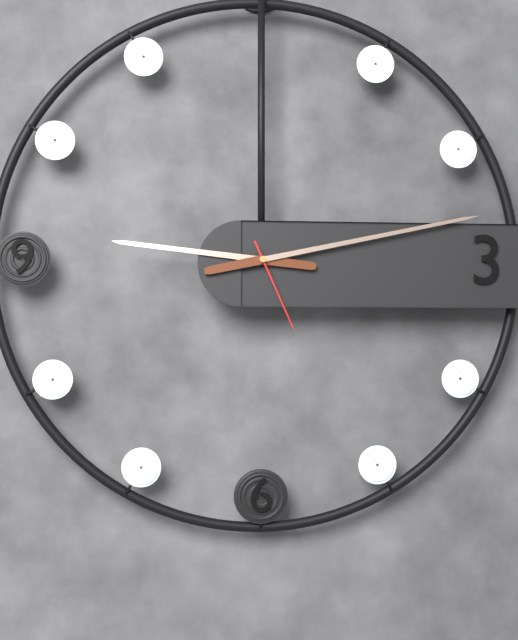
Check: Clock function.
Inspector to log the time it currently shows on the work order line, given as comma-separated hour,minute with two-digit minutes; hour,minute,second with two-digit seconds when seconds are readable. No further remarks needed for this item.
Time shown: 9,13,26
